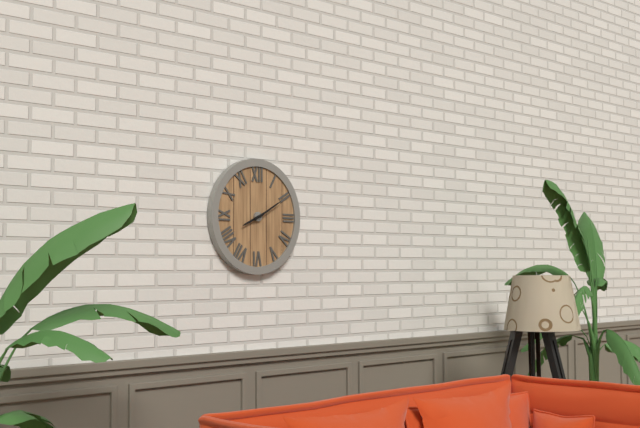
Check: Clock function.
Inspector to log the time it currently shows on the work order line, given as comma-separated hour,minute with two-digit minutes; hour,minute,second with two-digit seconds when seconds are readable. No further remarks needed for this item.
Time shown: 8,10
